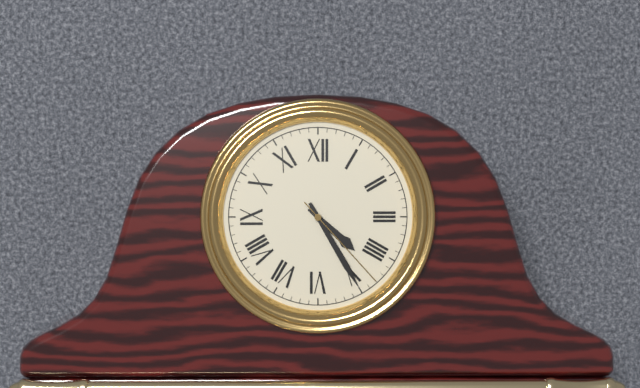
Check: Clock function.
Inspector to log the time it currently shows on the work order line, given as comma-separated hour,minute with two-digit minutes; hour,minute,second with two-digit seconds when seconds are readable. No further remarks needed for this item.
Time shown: 4,25,23
